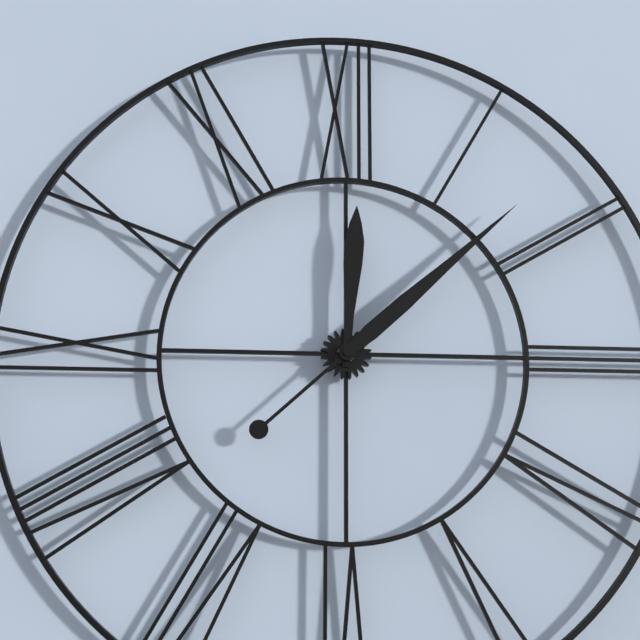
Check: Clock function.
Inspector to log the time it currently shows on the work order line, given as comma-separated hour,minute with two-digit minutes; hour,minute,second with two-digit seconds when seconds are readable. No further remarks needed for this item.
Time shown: 12,08
